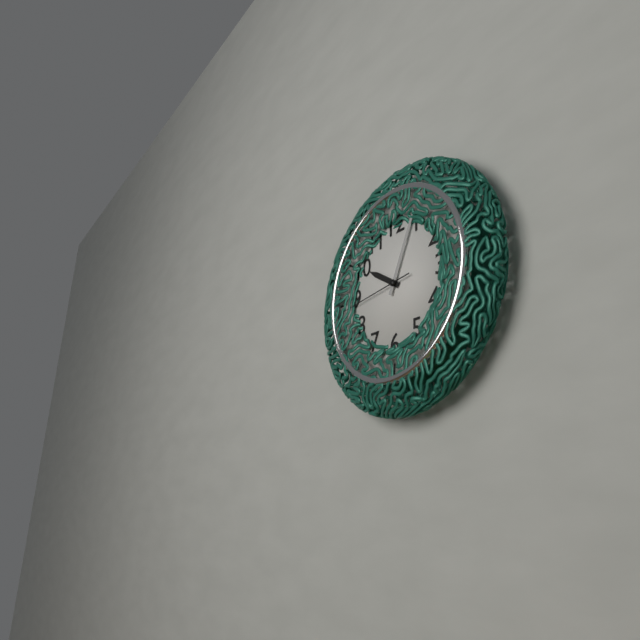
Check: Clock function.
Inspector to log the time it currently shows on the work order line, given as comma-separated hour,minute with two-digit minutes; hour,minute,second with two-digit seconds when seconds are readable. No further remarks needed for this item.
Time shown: 10,04,44
